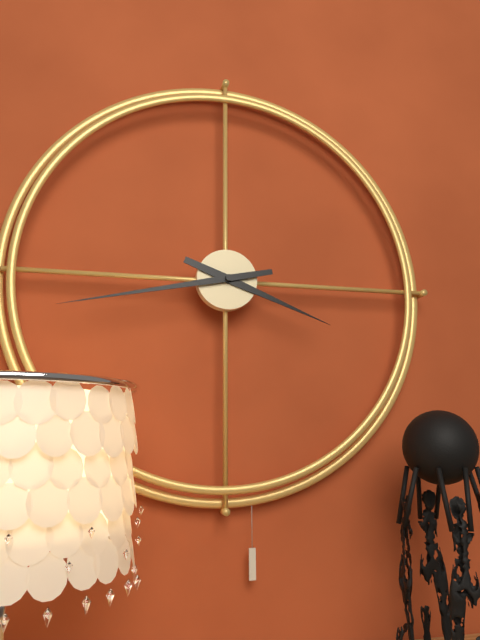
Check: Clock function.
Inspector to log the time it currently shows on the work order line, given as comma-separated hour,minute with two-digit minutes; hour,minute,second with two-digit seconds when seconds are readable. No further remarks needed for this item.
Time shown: 3,43
